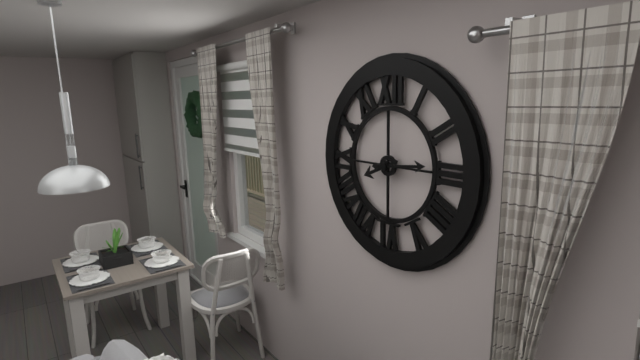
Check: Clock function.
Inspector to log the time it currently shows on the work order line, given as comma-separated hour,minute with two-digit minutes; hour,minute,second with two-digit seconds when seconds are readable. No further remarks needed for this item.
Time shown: 8,14
